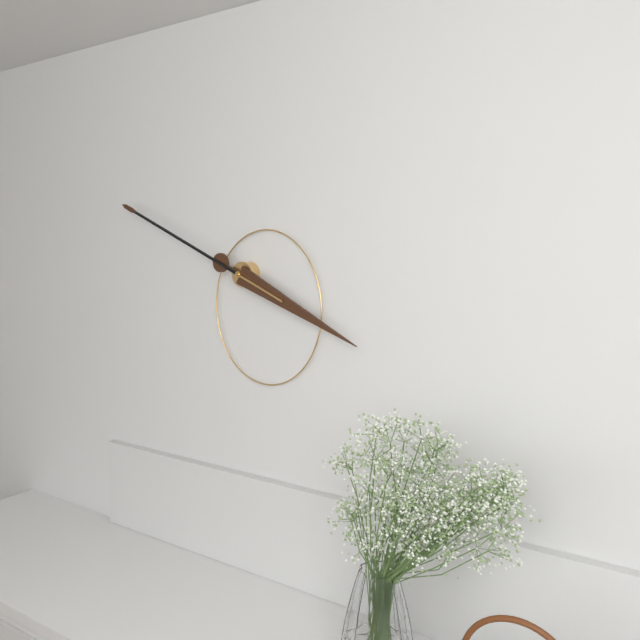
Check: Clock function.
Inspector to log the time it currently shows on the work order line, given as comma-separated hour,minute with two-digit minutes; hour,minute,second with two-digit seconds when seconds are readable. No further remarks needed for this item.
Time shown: 3,49
